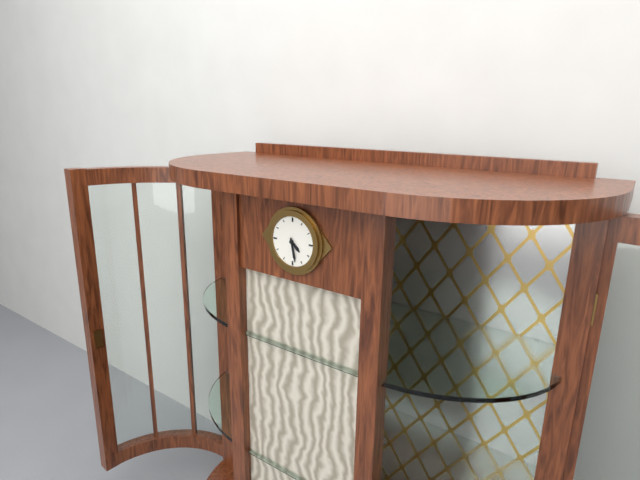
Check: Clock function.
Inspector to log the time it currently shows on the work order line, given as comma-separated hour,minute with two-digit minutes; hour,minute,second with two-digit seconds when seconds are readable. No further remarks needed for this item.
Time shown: 4,28
